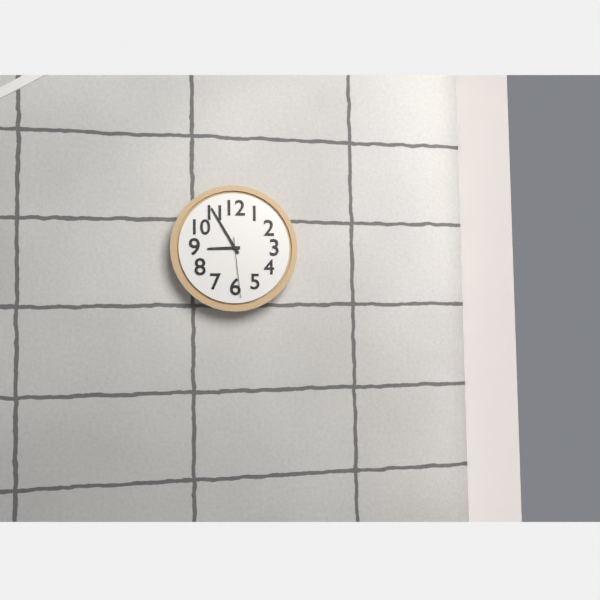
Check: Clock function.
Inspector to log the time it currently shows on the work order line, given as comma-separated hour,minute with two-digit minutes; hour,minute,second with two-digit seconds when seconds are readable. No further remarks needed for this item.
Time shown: 8,55,29
